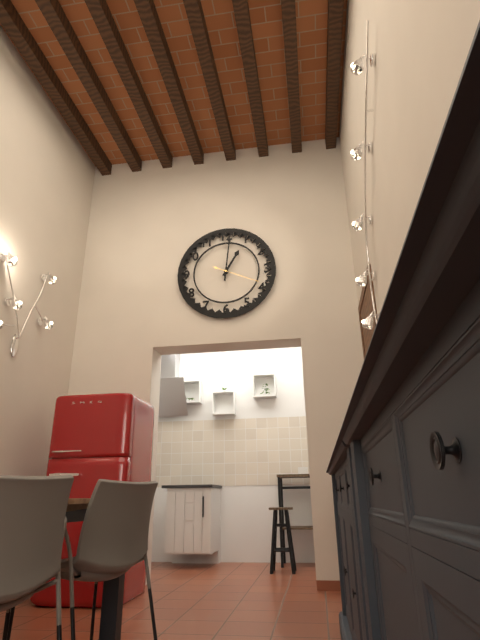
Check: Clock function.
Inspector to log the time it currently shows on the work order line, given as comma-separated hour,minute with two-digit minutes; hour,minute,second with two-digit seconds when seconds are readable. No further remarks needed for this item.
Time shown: 1,01
